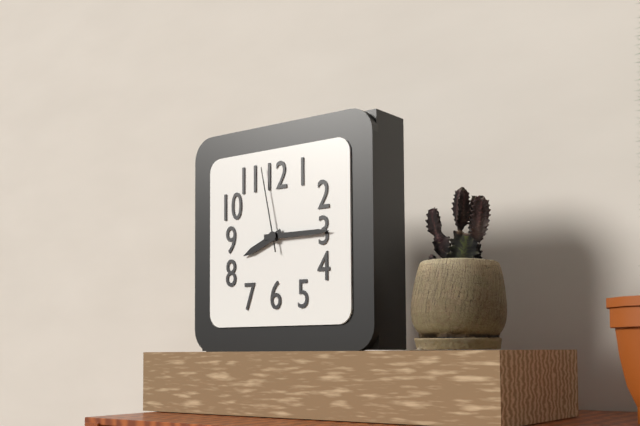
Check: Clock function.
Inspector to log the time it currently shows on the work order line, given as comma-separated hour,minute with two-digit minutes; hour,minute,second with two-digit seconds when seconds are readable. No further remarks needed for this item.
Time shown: 8,15,58
